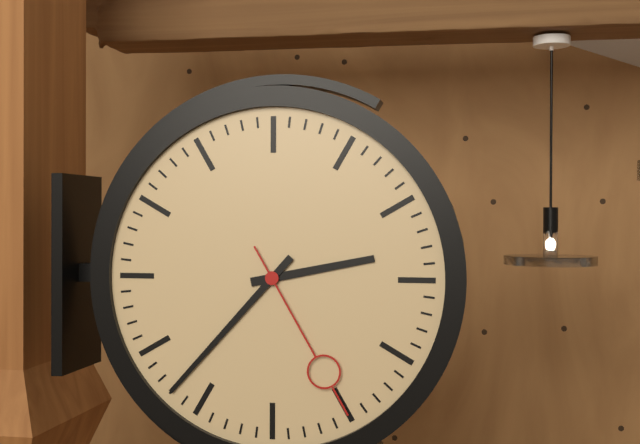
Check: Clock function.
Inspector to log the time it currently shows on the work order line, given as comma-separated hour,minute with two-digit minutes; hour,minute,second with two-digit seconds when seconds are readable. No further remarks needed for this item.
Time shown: 2,37,25
